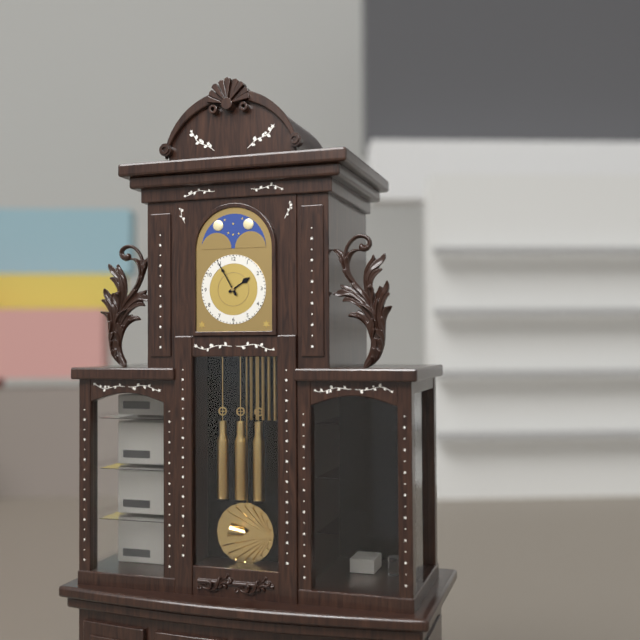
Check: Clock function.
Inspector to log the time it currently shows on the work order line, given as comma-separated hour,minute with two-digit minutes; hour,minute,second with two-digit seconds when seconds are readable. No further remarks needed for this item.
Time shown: 1,55
